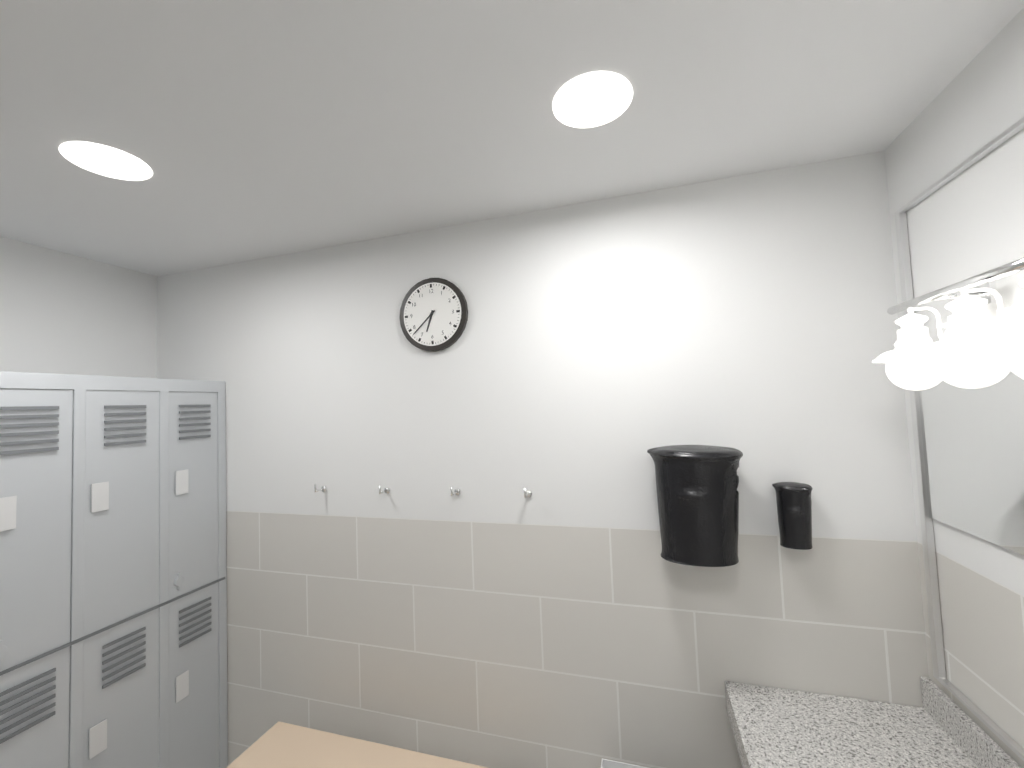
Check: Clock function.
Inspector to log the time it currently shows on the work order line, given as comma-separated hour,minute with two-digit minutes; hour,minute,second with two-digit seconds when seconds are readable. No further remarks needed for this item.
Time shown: 6,38
